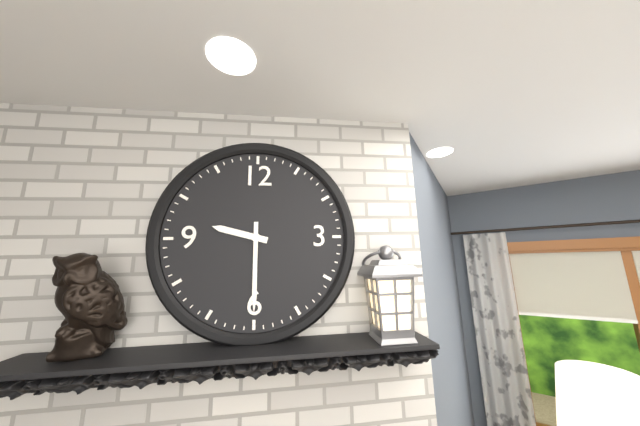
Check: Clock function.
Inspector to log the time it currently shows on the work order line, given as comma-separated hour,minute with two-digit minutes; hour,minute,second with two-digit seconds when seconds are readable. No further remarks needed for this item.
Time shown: 9,30
